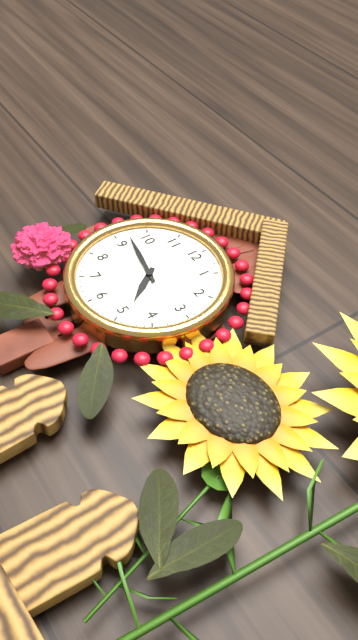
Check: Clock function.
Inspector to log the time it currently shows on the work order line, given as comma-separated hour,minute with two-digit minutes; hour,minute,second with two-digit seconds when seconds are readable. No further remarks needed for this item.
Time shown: 4,47
